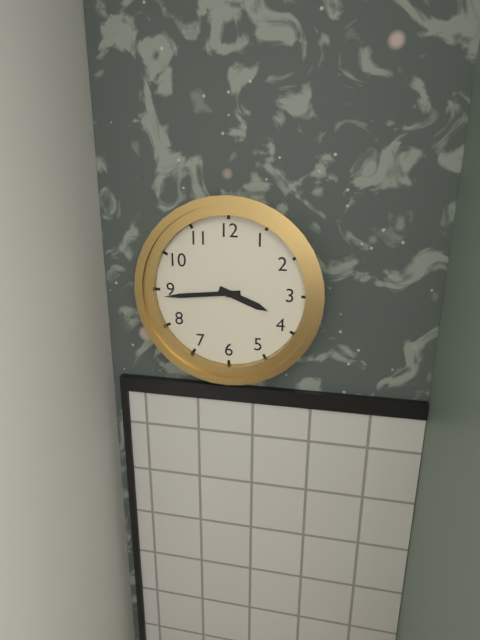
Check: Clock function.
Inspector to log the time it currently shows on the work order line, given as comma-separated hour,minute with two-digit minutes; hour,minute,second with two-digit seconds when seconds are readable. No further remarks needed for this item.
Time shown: 3,44
